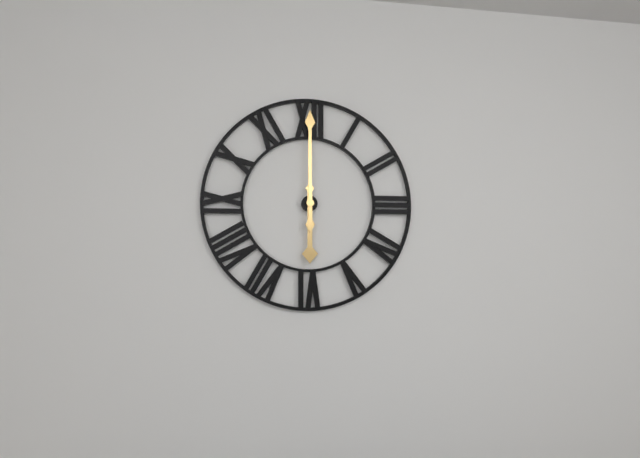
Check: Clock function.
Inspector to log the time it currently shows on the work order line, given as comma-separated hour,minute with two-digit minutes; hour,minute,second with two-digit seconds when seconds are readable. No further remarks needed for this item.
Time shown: 6,00
